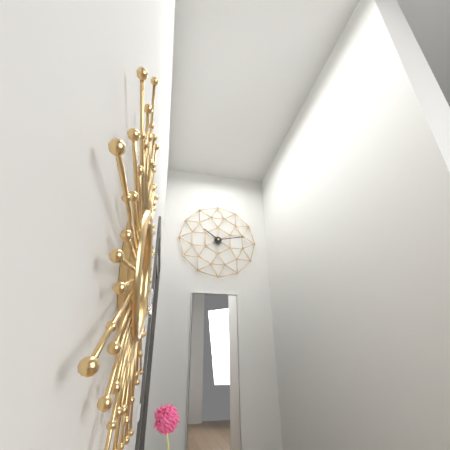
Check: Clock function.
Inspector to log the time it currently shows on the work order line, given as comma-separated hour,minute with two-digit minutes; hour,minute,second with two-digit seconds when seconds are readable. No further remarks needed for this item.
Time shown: 10,13
